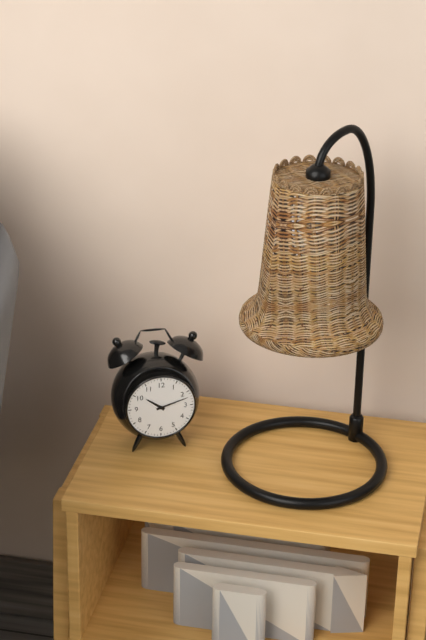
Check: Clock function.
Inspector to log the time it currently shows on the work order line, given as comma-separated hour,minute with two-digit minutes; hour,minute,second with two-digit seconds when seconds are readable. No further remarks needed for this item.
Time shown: 10,12
